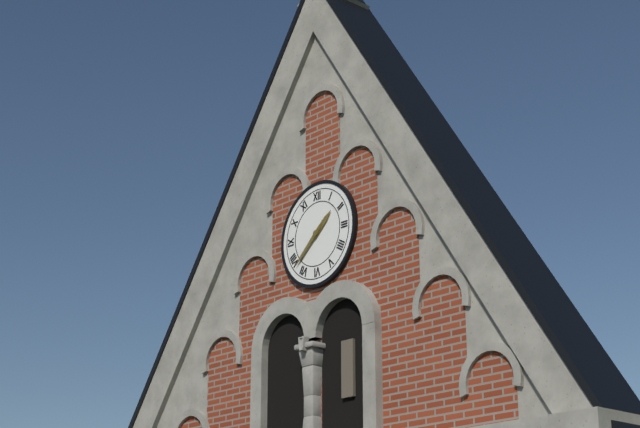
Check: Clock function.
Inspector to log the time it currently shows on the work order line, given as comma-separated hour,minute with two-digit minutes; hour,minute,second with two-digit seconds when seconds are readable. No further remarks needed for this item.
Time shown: 1,38
